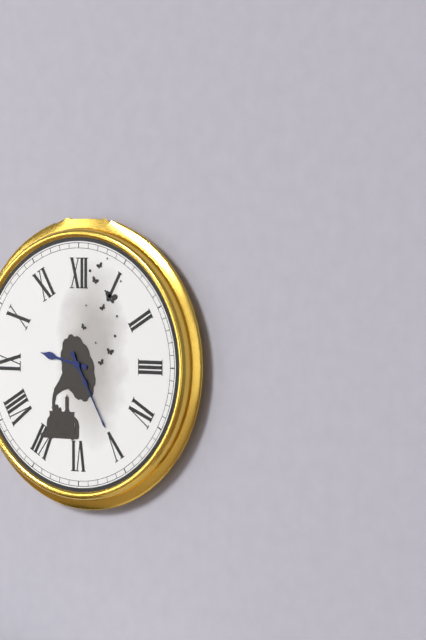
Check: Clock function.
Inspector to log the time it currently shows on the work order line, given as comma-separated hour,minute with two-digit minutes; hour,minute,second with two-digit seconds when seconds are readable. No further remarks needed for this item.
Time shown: 9,25
